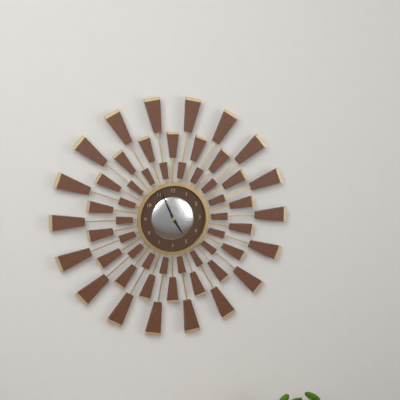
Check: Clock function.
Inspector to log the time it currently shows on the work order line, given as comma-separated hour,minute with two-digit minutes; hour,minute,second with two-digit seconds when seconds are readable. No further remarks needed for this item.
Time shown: 4,56
